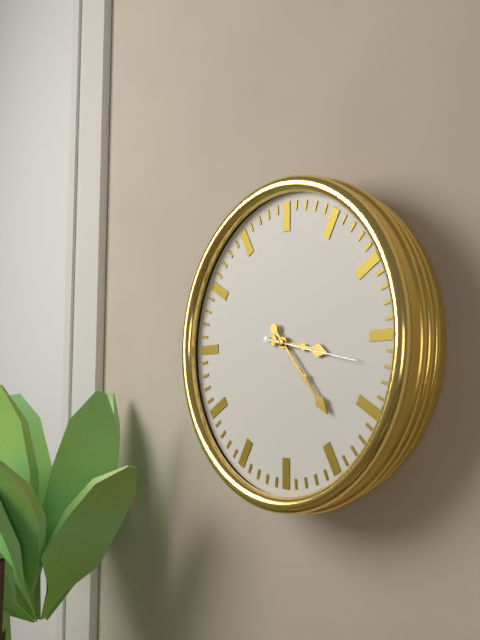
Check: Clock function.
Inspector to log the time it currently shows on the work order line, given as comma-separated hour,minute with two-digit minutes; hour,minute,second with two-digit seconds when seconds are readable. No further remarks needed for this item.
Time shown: 3,23
